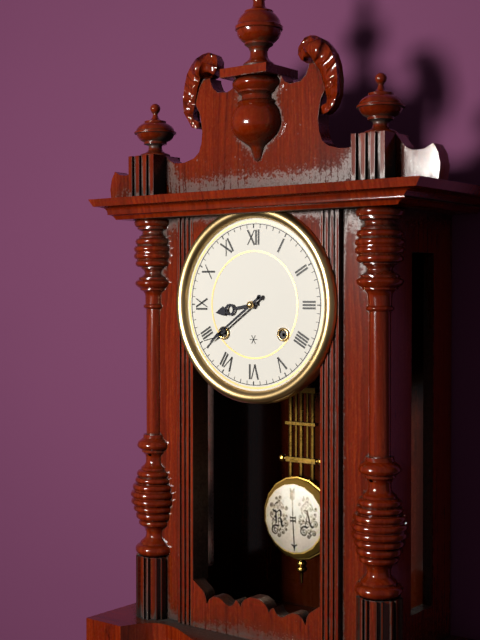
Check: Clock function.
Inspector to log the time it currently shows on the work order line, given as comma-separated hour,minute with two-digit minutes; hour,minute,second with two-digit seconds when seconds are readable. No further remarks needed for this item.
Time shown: 8,39
